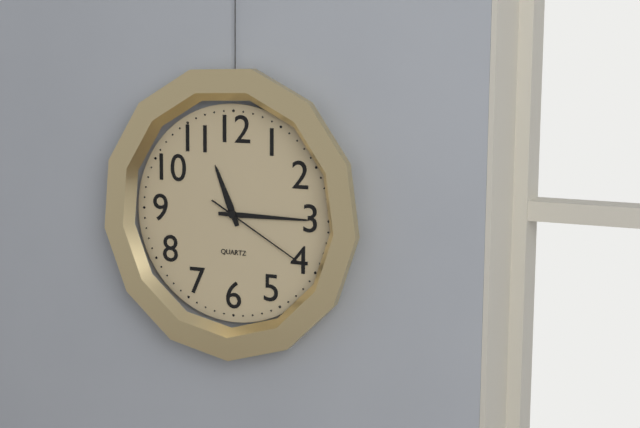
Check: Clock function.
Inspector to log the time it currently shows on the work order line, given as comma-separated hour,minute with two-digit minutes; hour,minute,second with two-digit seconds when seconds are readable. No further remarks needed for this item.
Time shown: 11,15,20
